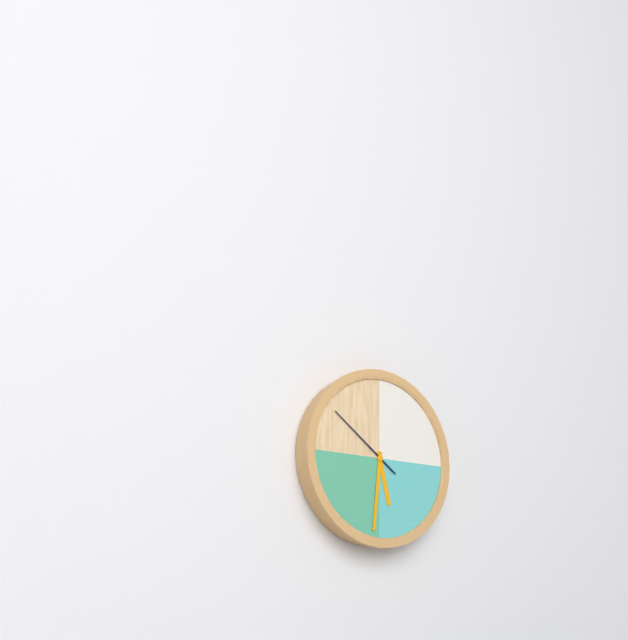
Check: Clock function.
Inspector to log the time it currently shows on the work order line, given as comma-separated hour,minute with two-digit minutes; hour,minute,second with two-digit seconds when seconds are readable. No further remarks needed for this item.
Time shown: 5,31,51
